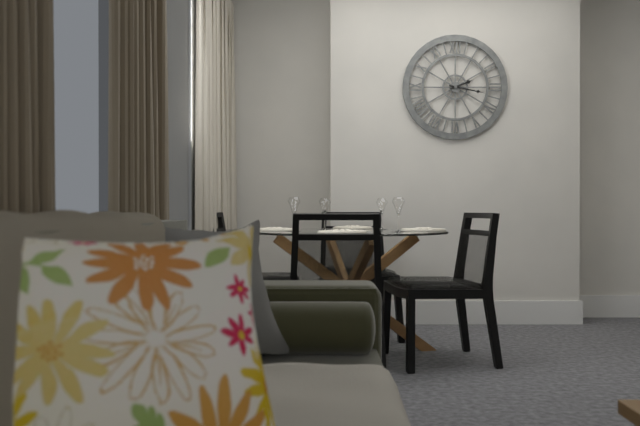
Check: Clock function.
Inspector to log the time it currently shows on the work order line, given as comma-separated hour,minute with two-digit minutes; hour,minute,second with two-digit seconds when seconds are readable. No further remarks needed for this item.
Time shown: 2,17
